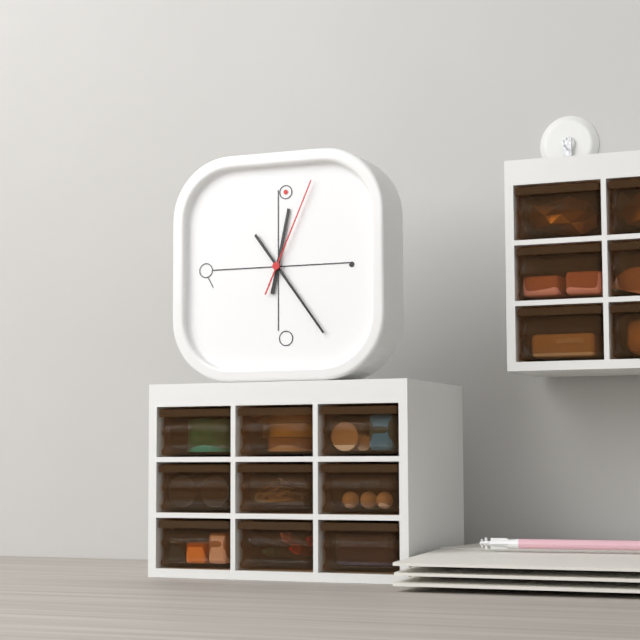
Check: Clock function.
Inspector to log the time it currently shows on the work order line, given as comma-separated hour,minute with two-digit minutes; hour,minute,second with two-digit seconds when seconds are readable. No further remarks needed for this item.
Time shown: 12,24,04
